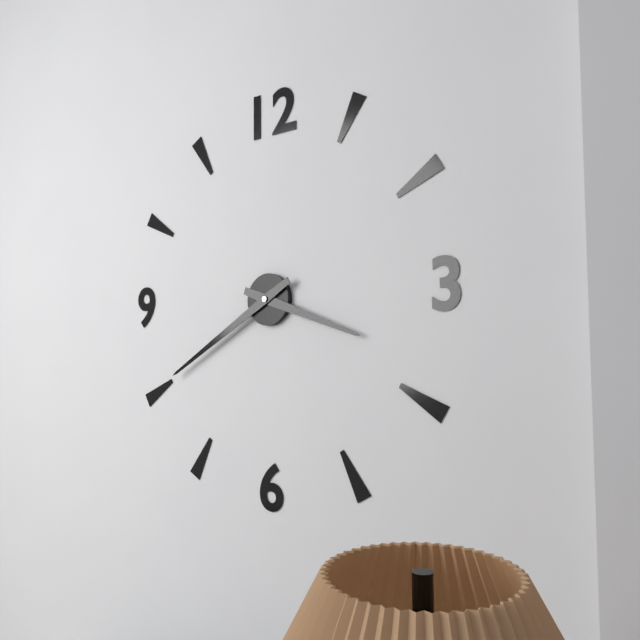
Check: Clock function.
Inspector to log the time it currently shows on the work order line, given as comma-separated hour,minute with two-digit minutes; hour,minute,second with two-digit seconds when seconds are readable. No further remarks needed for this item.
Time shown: 3,40
